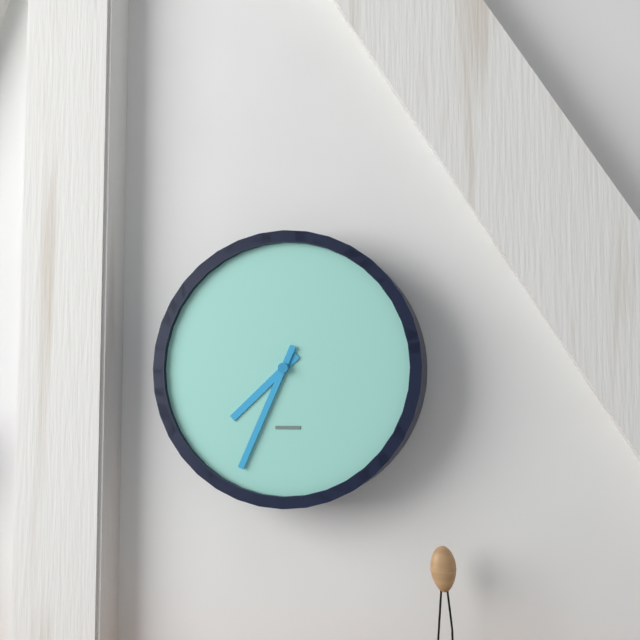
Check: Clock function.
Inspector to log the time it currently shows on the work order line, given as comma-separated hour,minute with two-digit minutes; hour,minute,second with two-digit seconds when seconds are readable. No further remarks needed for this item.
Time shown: 7,34
